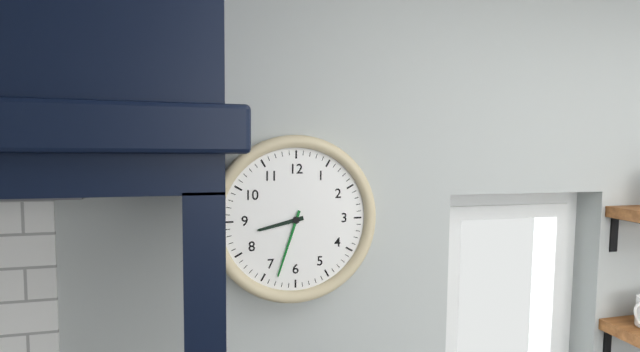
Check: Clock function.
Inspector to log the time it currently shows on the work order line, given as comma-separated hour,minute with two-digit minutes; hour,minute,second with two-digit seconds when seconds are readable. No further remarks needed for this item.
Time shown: 8,33
